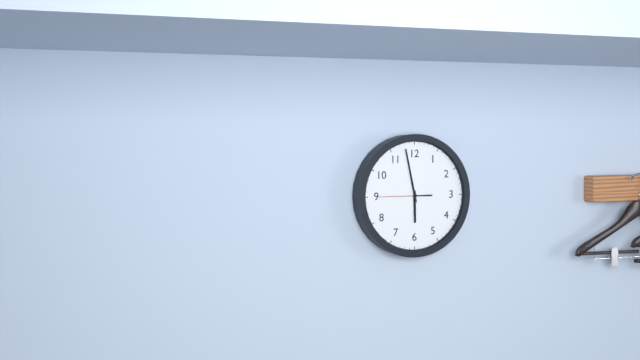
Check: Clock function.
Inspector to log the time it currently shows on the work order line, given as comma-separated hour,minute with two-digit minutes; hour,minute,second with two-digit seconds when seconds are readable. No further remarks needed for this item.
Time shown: 5,58
